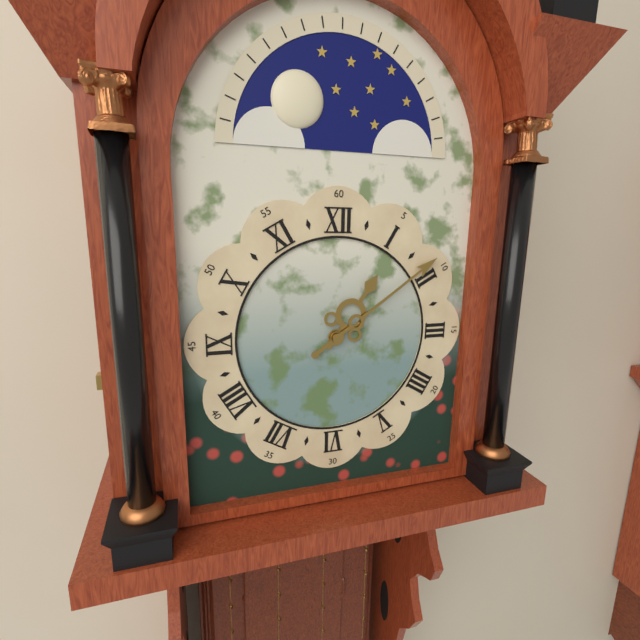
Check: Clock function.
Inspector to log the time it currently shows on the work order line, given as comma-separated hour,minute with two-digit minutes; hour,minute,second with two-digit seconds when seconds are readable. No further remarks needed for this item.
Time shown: 1,09
